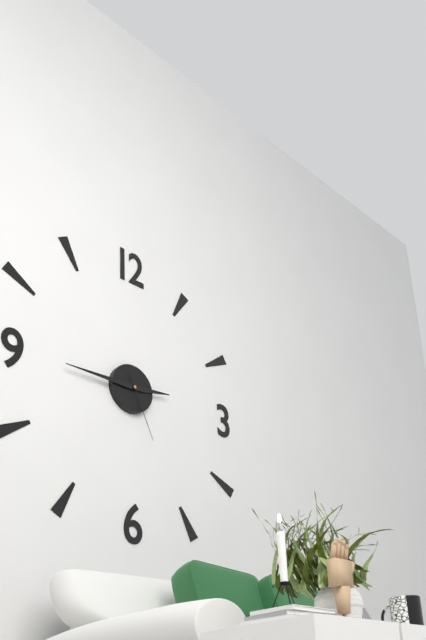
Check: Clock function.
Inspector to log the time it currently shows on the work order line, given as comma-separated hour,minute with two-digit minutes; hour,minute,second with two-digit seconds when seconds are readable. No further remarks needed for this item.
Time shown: 2,45,26
